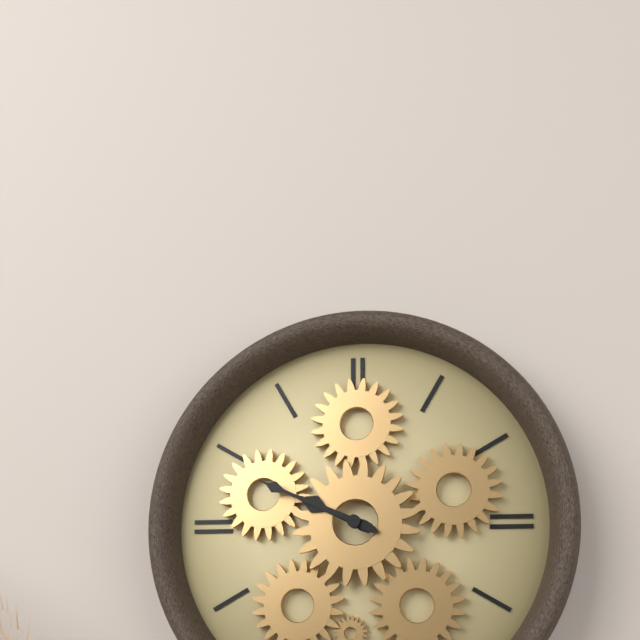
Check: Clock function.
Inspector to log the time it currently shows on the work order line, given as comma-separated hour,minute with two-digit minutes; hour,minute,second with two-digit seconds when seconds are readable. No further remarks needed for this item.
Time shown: 9,49
